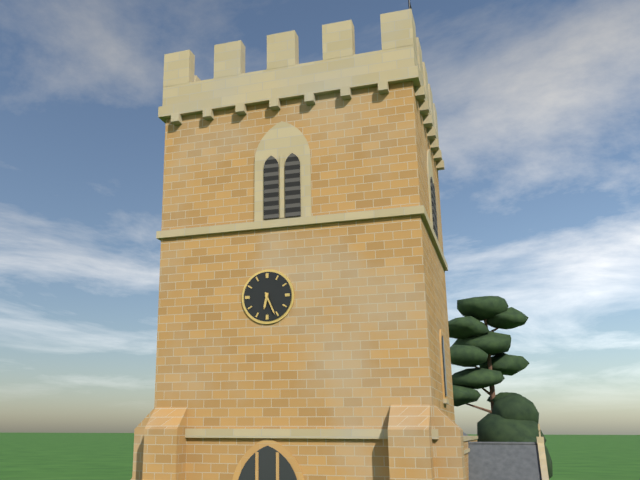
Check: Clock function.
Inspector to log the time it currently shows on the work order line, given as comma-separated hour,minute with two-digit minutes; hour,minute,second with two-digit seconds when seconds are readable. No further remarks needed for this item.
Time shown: 6,26
